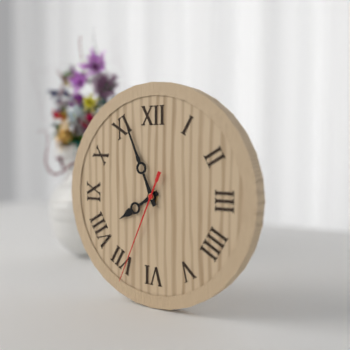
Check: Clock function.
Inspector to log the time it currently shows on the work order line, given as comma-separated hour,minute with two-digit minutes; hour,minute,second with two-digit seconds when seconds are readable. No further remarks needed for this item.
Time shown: 7,56,34
